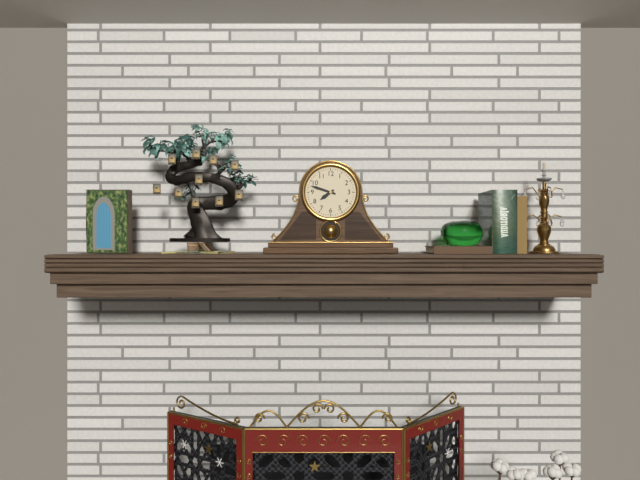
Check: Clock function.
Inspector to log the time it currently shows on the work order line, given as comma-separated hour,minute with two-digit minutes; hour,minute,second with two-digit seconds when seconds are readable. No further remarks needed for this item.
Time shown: 7,48
